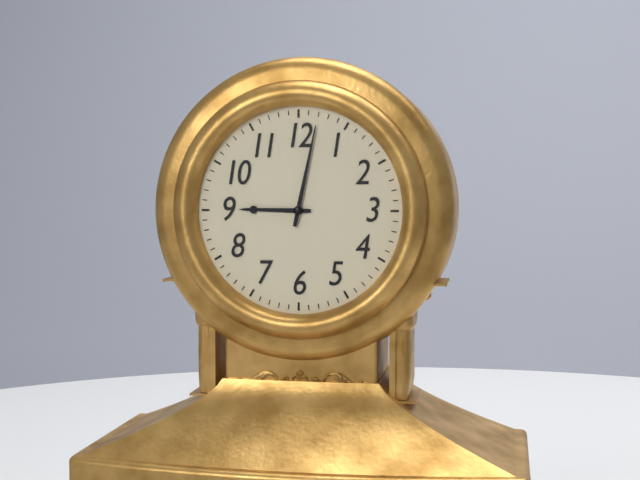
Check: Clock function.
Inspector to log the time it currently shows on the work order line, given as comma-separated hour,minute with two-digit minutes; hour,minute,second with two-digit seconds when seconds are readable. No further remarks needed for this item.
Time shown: 9,02
